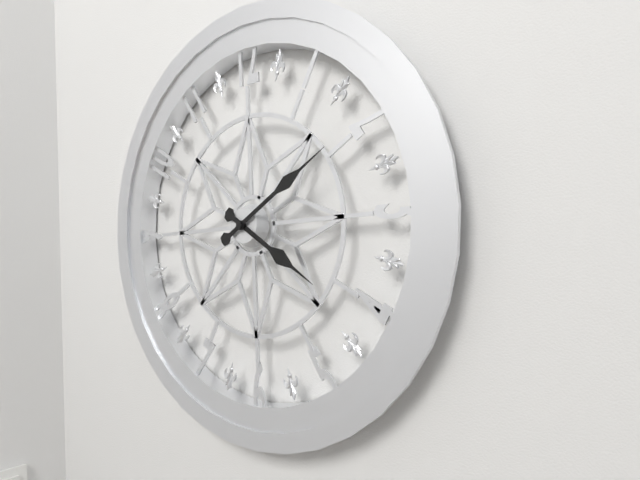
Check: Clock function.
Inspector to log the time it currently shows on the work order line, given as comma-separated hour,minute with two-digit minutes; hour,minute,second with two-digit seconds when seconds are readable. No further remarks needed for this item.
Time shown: 4,10
